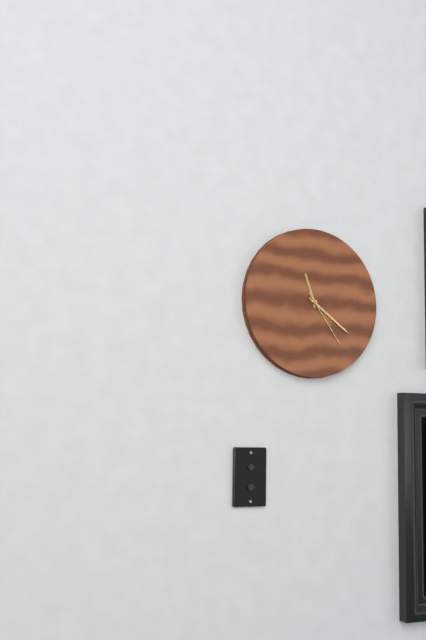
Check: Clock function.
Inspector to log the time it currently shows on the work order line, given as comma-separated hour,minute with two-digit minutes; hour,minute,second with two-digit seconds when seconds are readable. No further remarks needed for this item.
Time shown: 11,21,24
